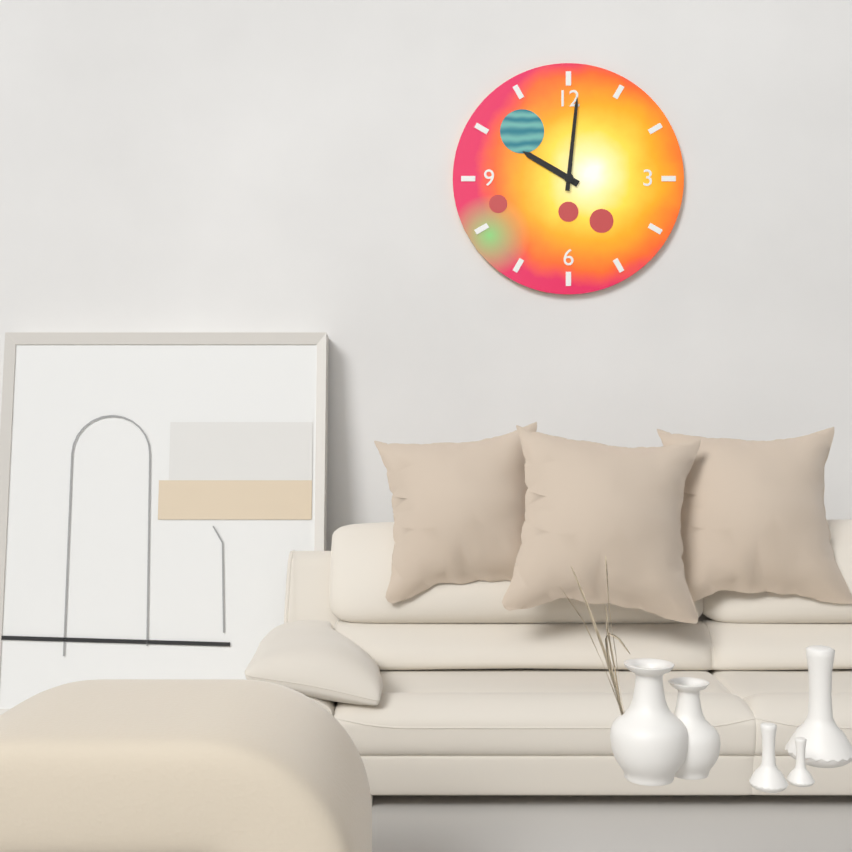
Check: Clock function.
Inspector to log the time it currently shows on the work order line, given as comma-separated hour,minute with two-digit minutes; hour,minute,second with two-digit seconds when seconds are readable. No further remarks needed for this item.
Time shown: 10,01
